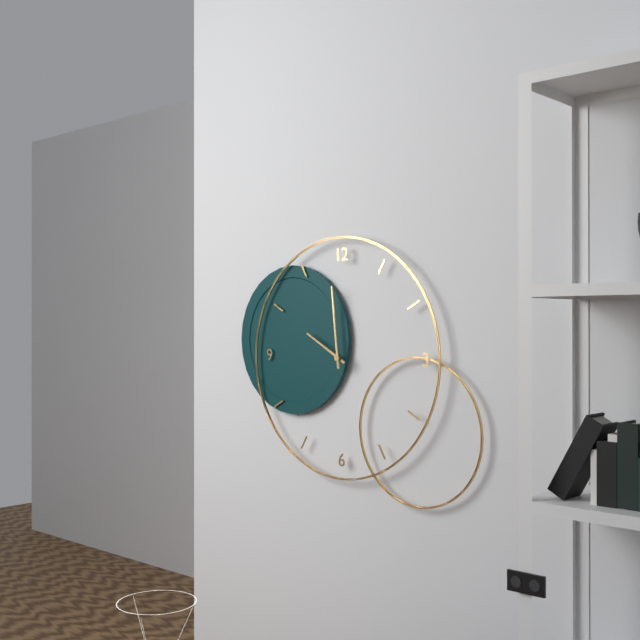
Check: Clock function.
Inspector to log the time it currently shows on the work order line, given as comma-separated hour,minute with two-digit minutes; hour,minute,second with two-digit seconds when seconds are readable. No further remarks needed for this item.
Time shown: 9,59
